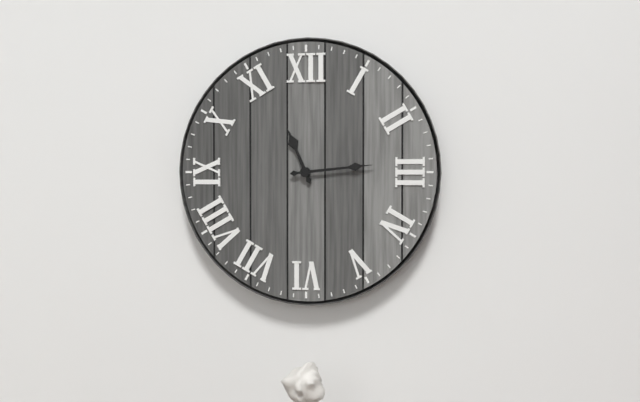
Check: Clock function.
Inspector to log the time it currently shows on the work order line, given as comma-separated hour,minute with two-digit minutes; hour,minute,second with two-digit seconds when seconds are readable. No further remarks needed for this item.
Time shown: 11,14
